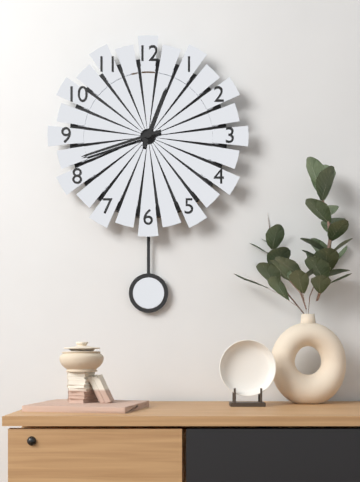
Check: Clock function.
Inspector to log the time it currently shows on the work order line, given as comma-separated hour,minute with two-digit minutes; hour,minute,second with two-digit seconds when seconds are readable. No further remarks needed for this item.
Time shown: 12,42
